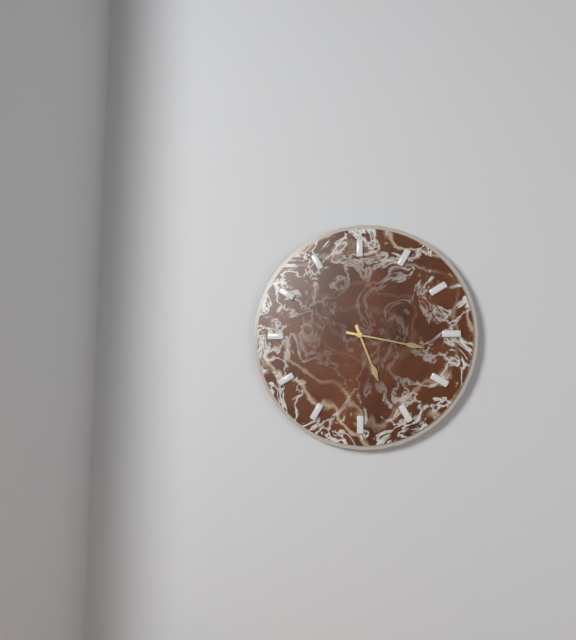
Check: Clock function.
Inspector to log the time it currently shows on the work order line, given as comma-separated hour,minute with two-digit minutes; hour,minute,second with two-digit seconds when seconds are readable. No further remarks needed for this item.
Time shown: 5,17
